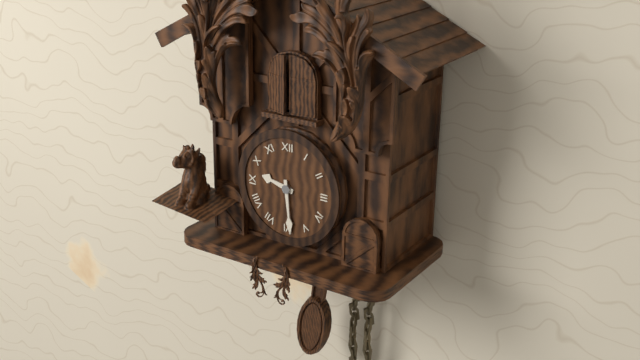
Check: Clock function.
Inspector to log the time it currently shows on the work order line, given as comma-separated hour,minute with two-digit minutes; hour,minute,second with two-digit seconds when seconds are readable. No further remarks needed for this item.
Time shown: 9,29
